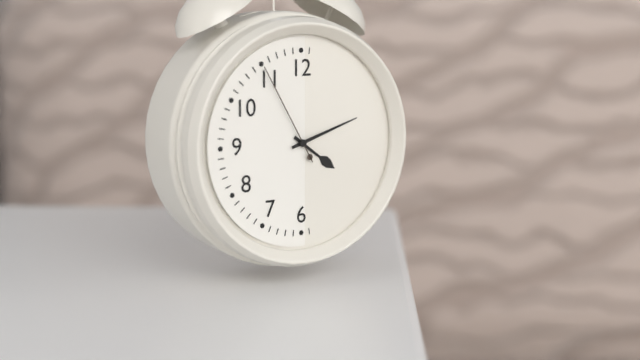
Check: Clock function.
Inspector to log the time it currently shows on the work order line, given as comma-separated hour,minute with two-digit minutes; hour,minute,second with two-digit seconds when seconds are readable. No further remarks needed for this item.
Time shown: 4,12,55
